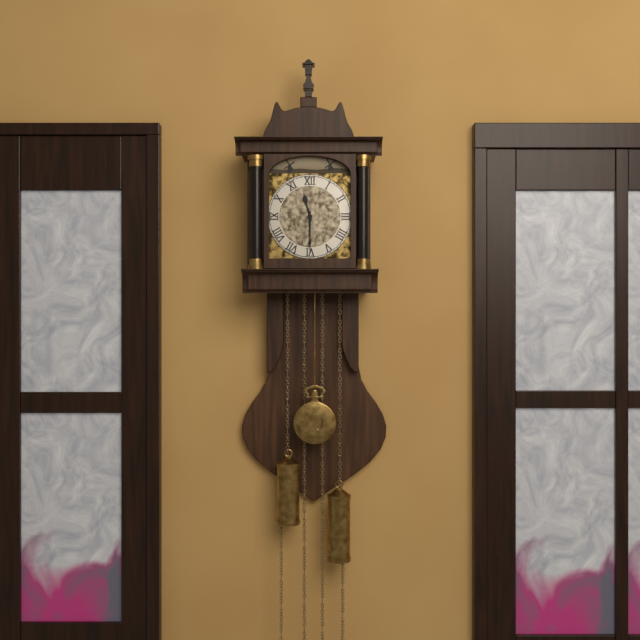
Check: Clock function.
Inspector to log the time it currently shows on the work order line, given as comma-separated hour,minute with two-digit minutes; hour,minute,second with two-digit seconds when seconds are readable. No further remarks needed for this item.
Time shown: 11,30
